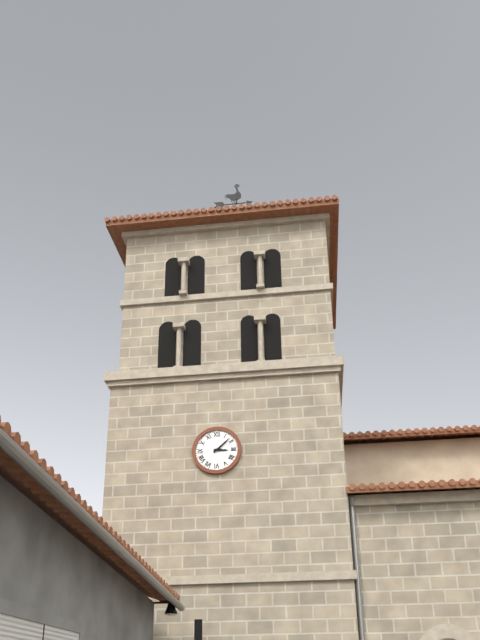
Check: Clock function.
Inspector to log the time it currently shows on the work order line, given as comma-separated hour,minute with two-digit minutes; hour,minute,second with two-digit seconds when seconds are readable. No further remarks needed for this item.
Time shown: 3,08
